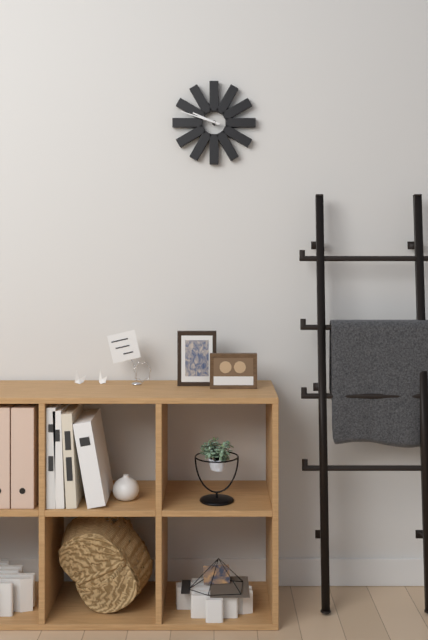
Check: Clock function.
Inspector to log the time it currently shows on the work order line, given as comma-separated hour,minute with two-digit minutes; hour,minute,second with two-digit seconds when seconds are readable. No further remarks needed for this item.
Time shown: 9,48
